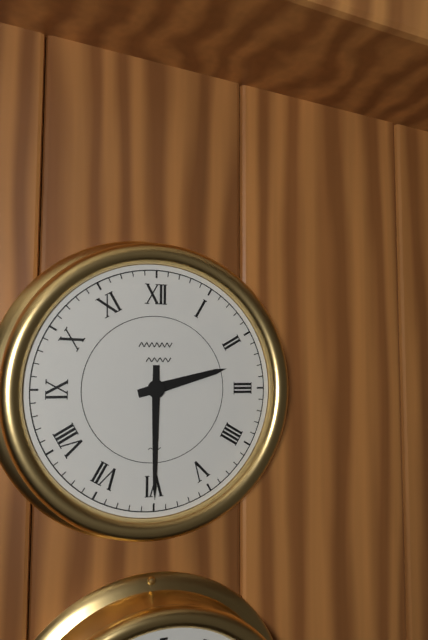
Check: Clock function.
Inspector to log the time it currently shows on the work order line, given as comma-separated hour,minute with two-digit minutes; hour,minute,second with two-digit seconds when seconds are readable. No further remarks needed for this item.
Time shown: 2,30
